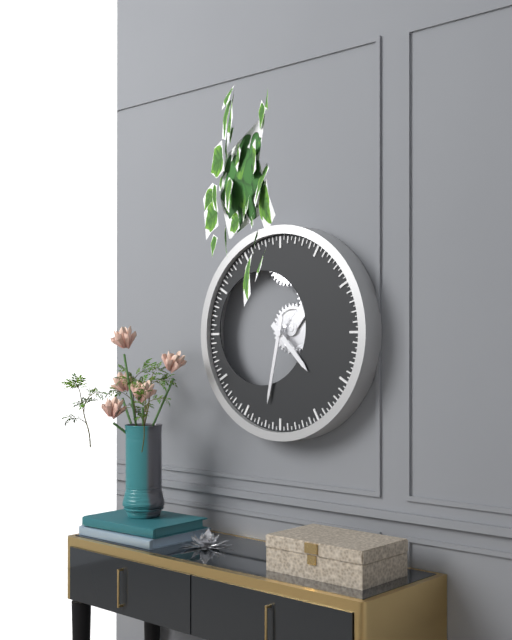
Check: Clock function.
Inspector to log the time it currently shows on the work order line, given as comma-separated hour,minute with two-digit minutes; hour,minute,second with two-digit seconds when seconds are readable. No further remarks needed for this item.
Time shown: 4,32
